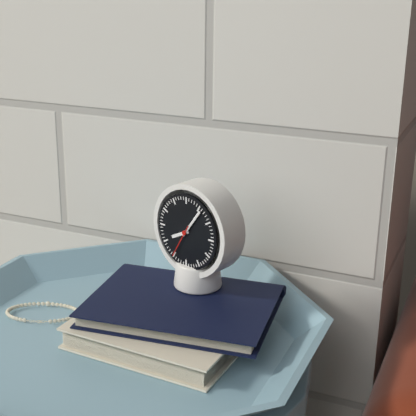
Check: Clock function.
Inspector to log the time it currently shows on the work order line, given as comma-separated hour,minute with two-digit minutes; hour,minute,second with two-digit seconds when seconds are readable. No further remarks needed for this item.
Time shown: 8,06
